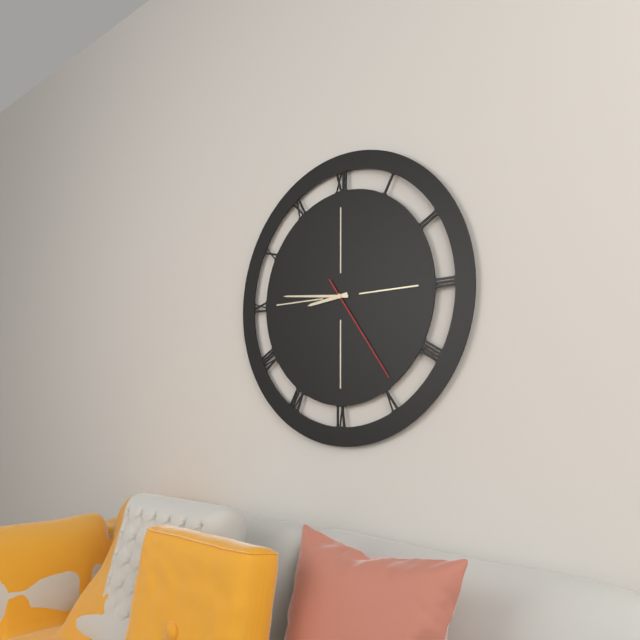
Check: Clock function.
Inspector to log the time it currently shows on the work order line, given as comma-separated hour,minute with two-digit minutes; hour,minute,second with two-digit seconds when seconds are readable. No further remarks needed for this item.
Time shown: 8,46,24
